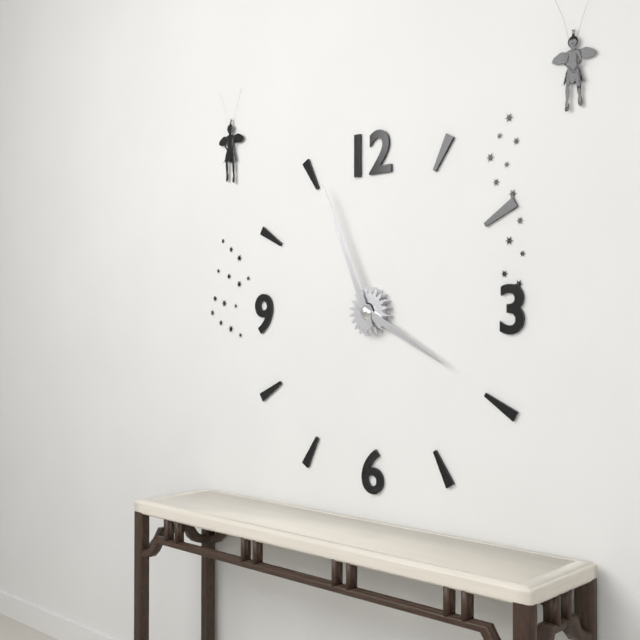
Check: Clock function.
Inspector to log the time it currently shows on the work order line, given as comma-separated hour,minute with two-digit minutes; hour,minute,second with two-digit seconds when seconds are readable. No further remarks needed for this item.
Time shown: 3,56
